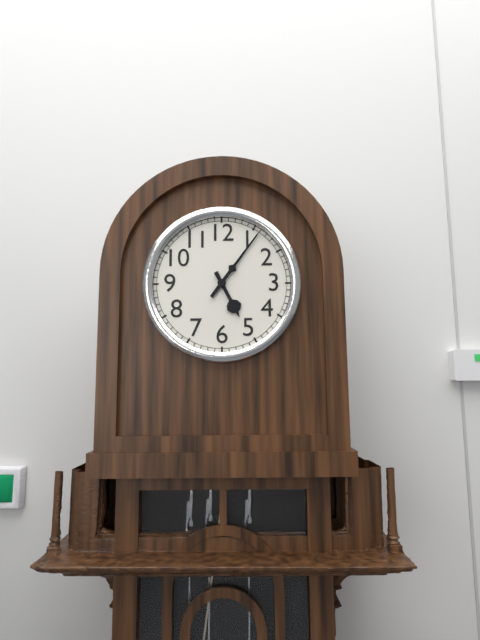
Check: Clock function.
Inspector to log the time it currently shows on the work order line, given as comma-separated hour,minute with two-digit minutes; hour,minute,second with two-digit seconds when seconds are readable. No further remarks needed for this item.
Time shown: 5,06
